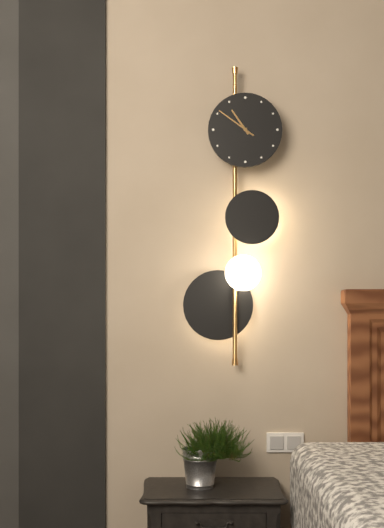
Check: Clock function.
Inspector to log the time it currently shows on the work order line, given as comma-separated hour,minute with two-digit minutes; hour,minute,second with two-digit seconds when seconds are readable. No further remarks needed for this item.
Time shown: 10,51
